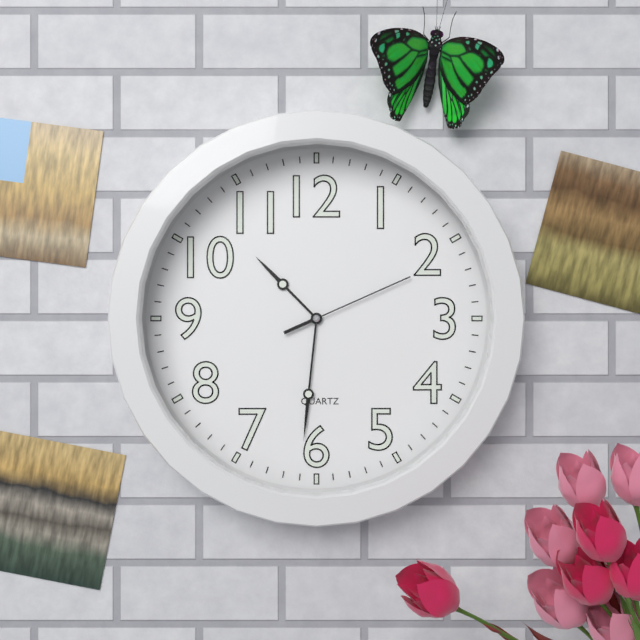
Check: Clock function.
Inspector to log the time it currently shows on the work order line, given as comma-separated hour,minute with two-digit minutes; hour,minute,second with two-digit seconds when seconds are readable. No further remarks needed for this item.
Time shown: 10,31,11
